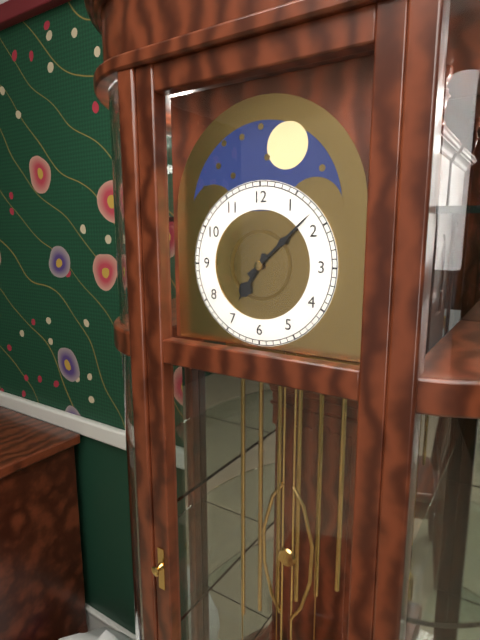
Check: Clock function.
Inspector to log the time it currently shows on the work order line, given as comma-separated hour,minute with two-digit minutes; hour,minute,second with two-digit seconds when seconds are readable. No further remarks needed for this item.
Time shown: 7,08
